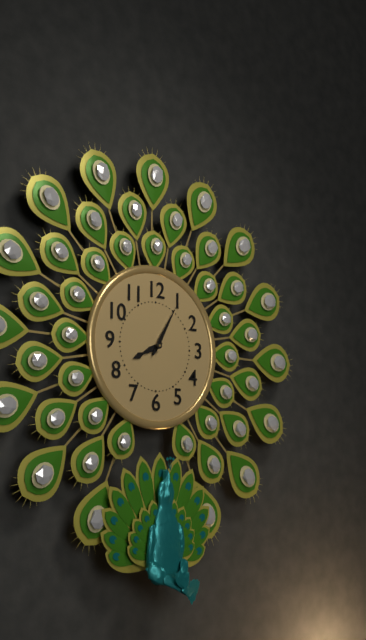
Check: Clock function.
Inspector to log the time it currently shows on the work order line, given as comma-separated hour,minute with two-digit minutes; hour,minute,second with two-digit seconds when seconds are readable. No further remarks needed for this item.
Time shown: 8,05
